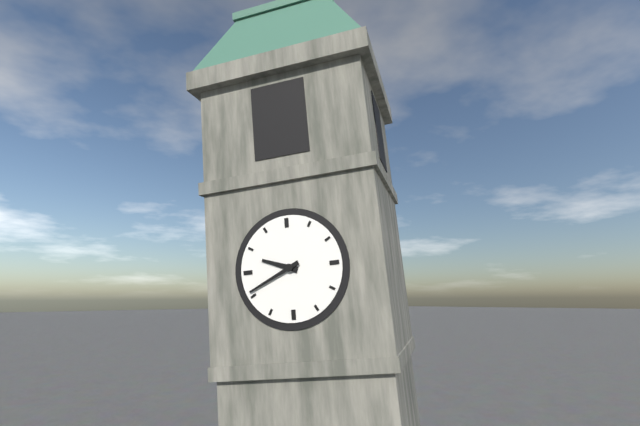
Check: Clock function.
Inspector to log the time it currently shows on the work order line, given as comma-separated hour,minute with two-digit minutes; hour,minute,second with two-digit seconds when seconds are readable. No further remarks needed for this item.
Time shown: 9,41
